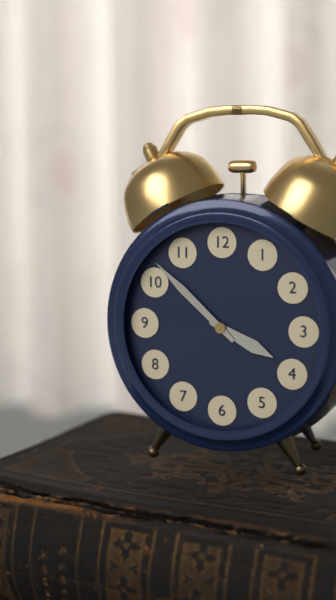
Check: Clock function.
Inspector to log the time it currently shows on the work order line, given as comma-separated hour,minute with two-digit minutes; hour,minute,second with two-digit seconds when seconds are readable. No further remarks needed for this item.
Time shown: 3,52
